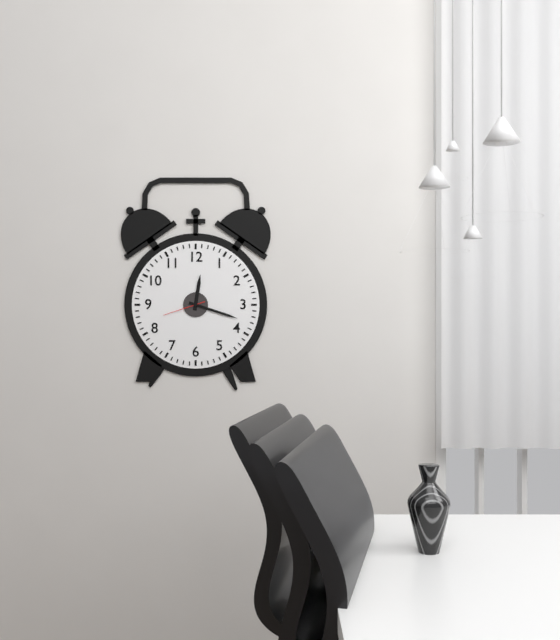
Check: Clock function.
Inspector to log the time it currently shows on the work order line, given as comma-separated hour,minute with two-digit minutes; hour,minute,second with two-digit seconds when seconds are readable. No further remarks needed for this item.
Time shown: 12,18
